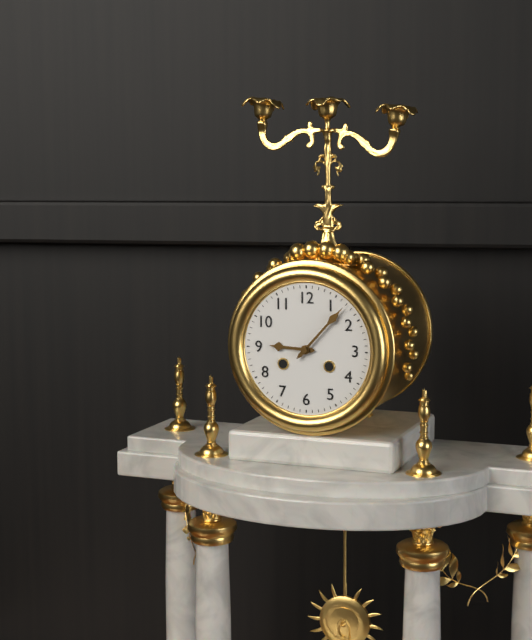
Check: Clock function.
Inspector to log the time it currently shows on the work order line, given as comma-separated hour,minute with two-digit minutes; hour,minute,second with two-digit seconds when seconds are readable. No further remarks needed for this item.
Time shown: 9,07
